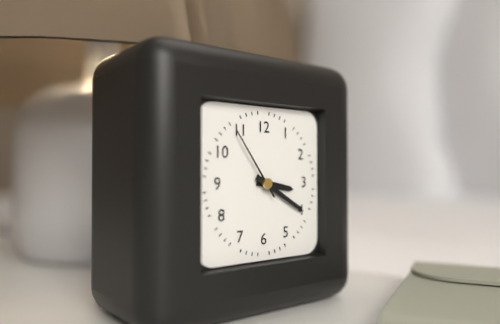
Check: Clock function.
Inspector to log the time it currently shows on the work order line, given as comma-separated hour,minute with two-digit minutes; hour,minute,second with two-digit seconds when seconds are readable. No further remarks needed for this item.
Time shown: 3,20,54
